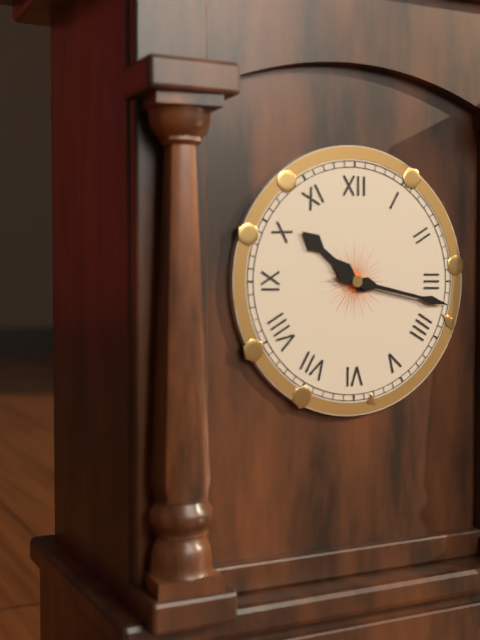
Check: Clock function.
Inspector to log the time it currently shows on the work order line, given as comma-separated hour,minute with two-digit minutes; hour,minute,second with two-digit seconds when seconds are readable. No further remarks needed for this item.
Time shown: 10,17
